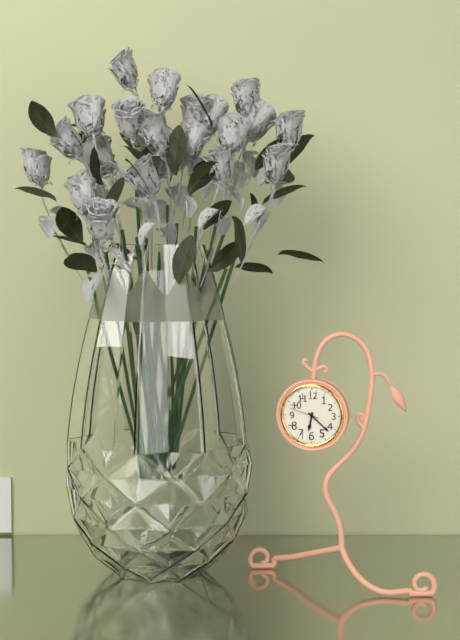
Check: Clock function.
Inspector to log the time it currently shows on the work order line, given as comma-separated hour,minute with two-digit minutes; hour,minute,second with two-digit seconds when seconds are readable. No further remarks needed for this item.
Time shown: 6,22
